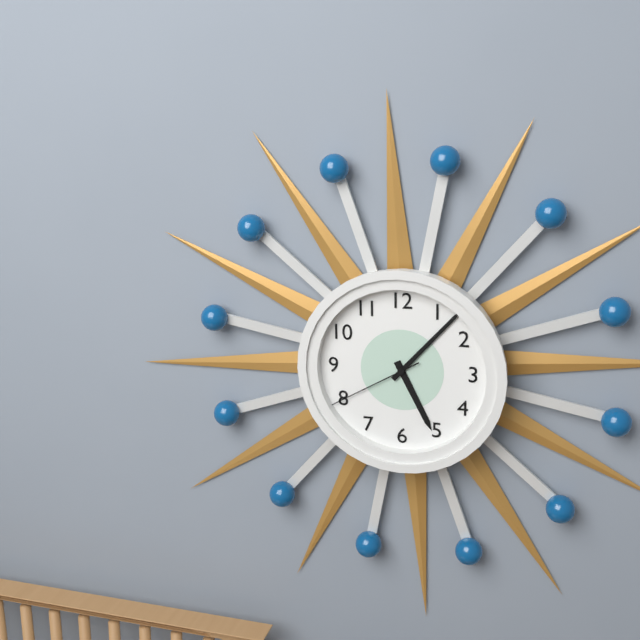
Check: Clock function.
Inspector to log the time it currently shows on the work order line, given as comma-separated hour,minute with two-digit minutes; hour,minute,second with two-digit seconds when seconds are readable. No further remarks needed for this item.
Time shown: 5,07,40
